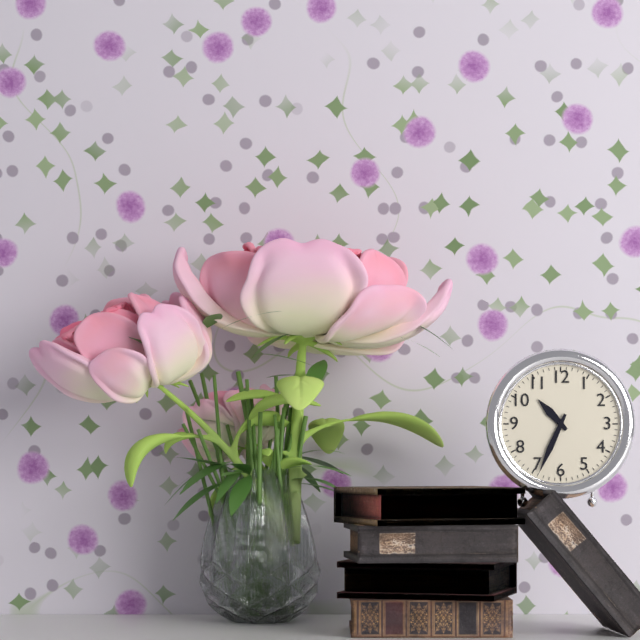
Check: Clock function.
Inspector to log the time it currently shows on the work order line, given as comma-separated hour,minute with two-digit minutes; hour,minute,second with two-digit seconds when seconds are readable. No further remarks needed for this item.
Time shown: 10,34
